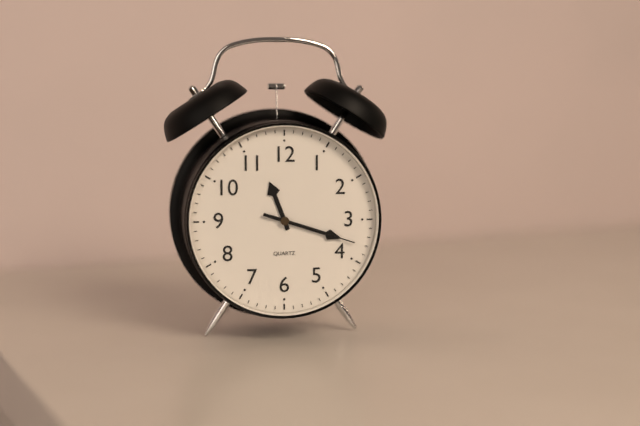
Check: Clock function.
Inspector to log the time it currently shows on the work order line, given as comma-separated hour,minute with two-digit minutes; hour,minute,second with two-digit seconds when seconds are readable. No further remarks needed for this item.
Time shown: 11,18,18
